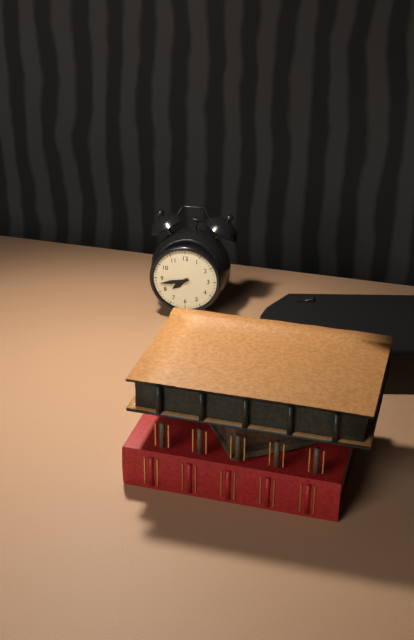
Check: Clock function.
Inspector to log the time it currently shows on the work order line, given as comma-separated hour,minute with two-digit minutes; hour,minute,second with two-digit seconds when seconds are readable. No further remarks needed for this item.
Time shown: 7,43
